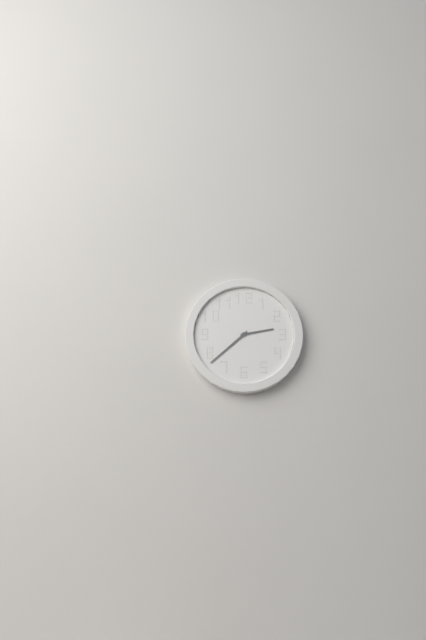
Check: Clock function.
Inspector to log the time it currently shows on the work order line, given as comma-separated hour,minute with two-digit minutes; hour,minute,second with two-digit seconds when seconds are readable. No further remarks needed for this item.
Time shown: 2,38
